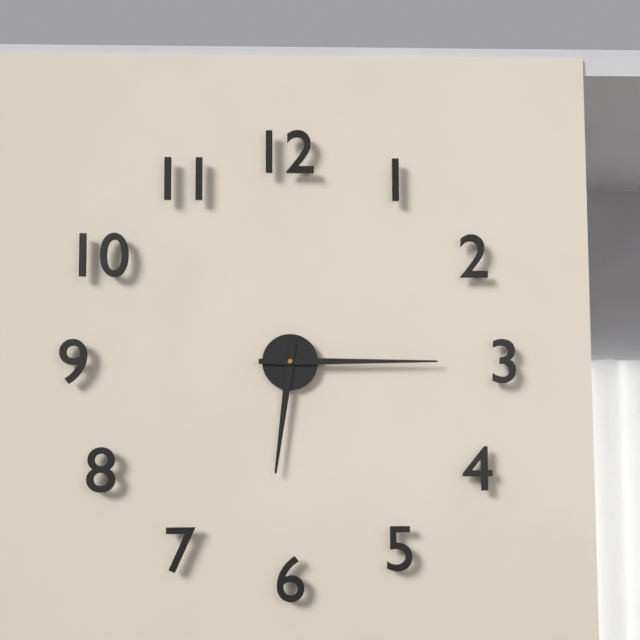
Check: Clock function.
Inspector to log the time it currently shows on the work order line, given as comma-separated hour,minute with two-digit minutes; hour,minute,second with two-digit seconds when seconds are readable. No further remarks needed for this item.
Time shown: 6,15
